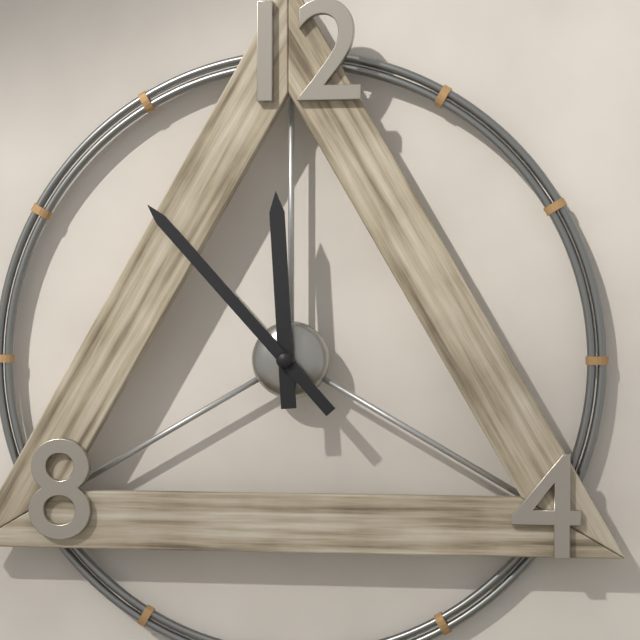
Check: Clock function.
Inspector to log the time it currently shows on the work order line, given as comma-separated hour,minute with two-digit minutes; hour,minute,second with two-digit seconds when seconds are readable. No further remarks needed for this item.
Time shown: 11,53
